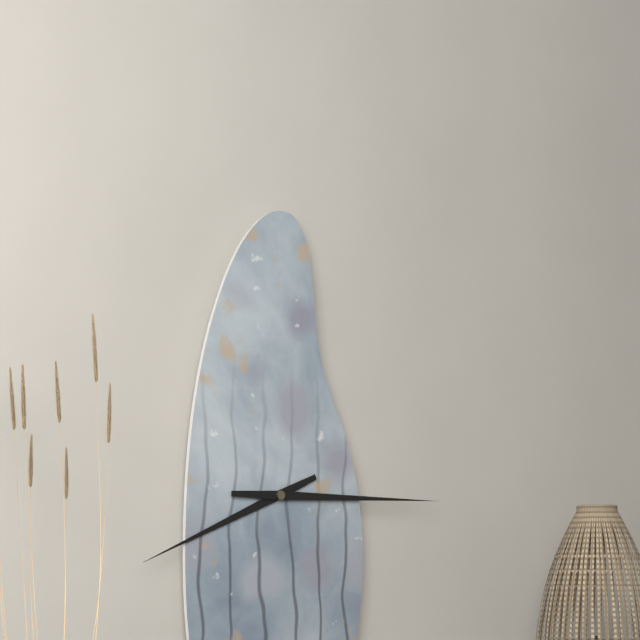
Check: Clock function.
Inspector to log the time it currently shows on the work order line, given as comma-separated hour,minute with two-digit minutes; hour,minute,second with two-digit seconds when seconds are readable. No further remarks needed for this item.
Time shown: 8,15
